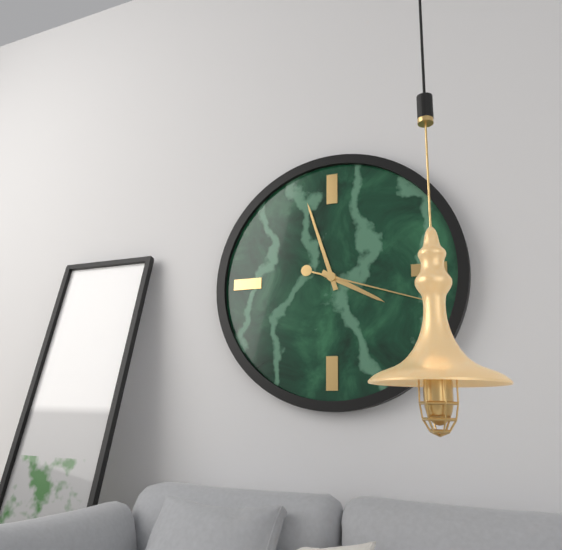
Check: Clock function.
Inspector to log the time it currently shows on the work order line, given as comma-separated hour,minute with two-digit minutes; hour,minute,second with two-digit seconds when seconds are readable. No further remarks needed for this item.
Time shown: 3,57,18
